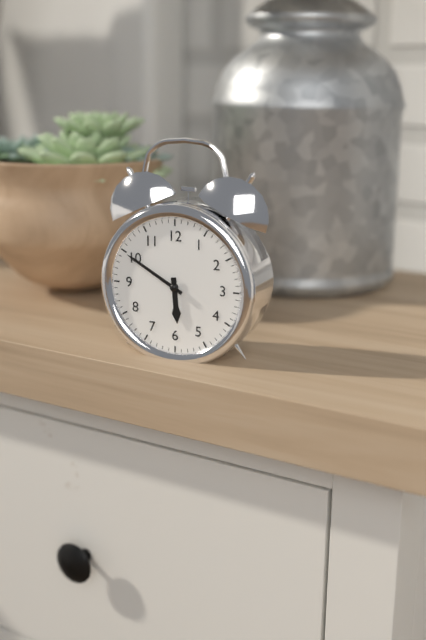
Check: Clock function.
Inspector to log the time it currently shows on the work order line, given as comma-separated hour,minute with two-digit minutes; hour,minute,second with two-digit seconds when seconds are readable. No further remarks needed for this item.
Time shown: 5,50
